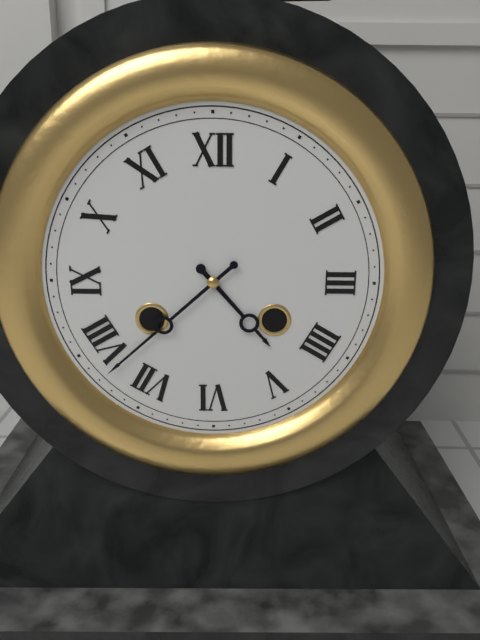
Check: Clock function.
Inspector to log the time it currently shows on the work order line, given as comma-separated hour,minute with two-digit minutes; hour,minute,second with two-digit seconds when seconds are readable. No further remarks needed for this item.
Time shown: 4,38
